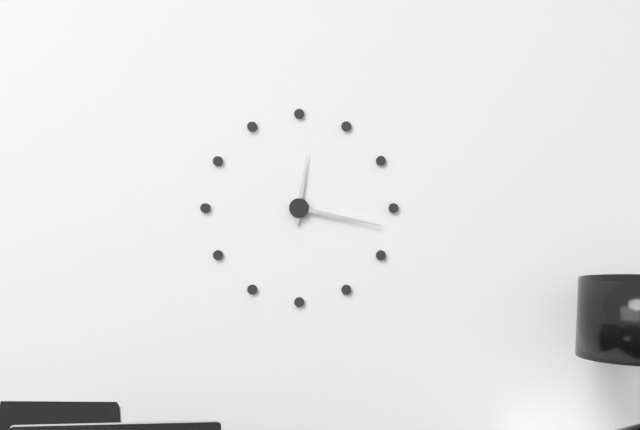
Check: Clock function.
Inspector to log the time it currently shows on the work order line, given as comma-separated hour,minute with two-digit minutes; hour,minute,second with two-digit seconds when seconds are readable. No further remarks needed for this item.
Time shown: 12,17
